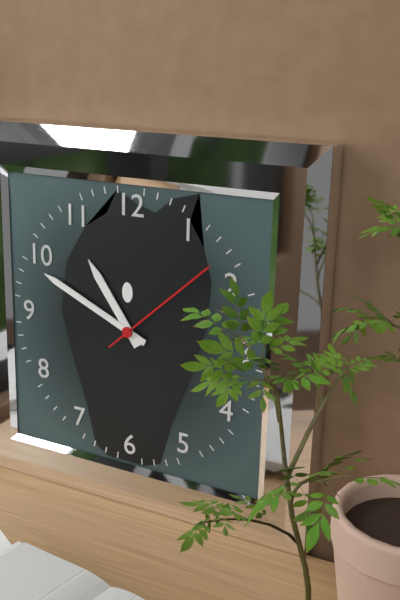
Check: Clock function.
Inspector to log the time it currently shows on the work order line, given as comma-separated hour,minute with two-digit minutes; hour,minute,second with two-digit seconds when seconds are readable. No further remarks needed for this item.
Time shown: 10,49,08
